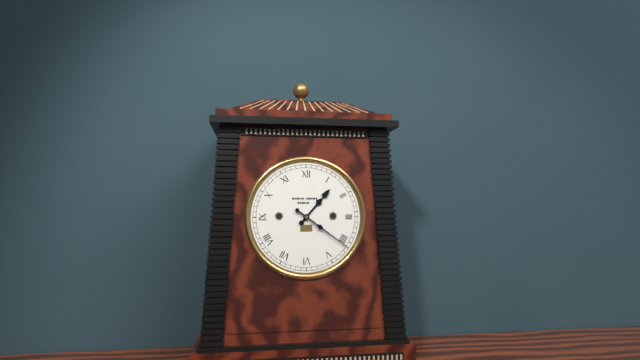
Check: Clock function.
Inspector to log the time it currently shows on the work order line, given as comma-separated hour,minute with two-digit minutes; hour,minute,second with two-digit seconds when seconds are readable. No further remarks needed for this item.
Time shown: 1,21
